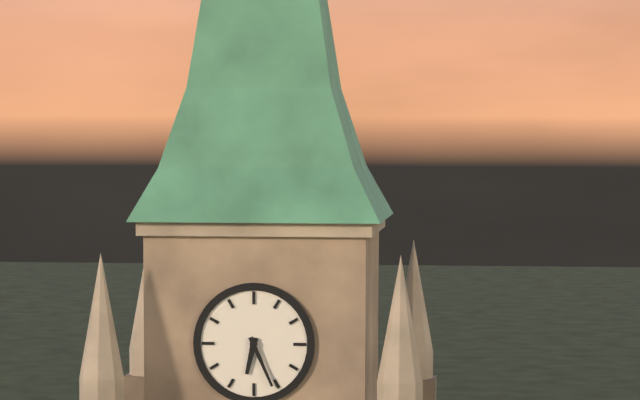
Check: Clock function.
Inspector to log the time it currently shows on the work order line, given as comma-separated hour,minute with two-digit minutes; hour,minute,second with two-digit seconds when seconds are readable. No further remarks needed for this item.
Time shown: 6,26
